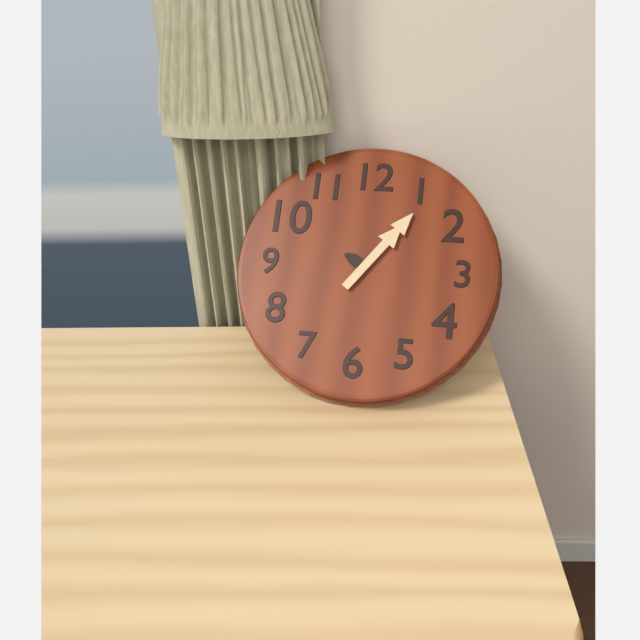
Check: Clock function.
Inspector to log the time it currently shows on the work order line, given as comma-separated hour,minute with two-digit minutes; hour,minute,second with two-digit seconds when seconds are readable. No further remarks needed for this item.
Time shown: 10,06
